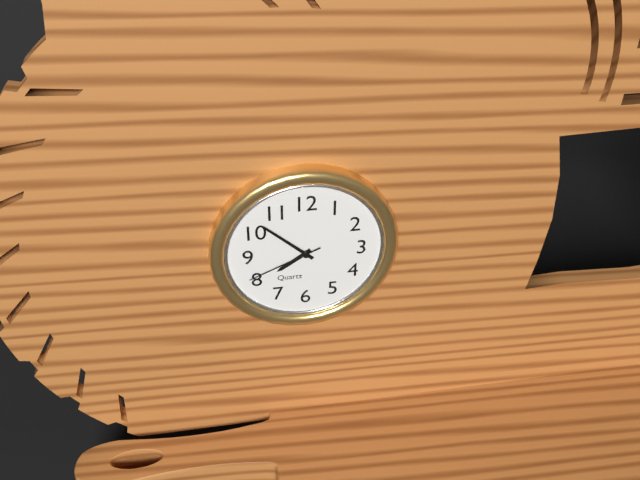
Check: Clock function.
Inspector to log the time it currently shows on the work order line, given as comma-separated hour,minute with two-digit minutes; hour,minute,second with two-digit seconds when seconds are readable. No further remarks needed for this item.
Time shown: 7,52,41
